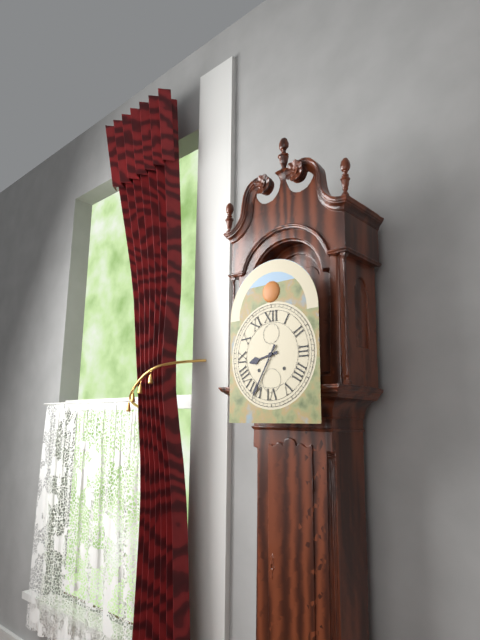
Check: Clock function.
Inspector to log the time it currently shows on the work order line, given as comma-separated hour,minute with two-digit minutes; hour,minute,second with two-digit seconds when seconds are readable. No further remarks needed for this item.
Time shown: 8,35
